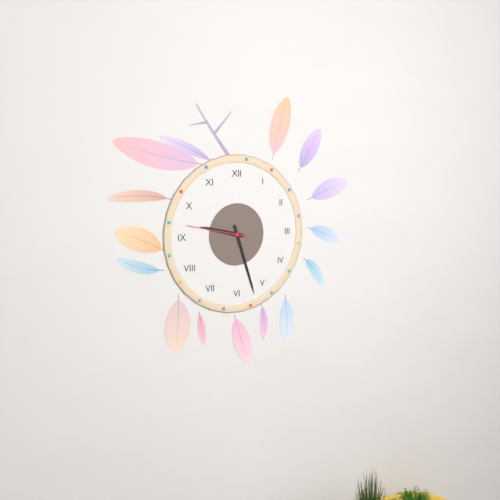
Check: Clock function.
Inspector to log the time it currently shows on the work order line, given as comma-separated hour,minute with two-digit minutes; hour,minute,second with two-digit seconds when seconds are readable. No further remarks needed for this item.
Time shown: 9,27,47
